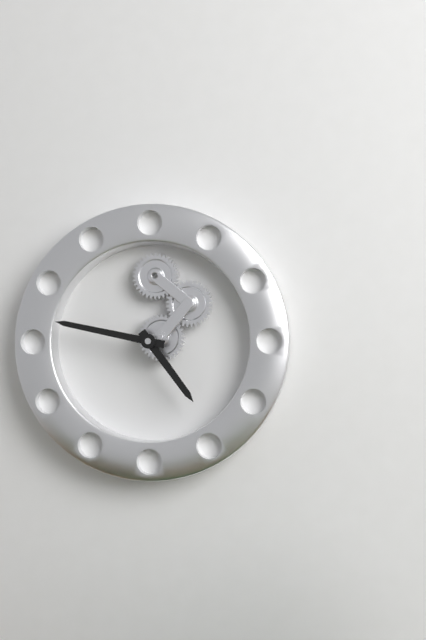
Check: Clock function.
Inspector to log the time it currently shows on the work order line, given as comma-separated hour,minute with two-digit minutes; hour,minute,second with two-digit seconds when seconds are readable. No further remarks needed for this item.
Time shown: 4,47
